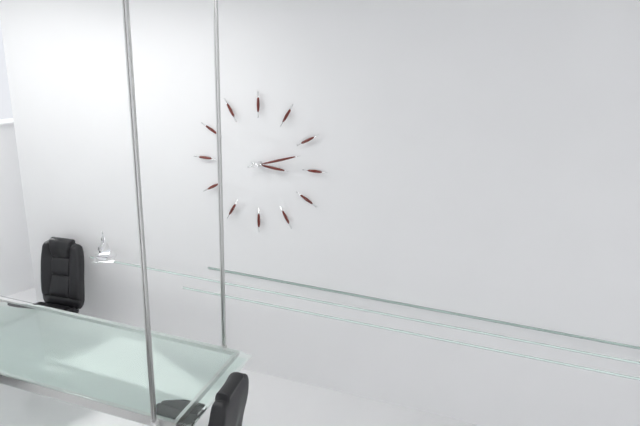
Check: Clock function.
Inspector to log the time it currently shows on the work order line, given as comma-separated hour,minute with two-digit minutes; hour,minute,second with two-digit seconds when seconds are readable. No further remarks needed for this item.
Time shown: 3,12
